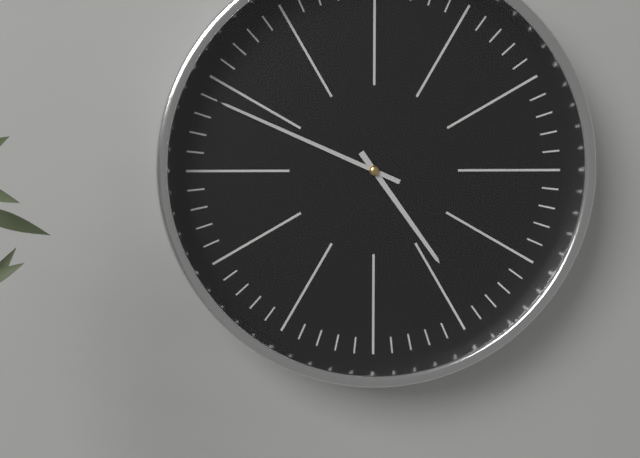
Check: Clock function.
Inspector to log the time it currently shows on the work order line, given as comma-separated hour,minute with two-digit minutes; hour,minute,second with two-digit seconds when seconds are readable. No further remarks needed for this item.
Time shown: 4,49
